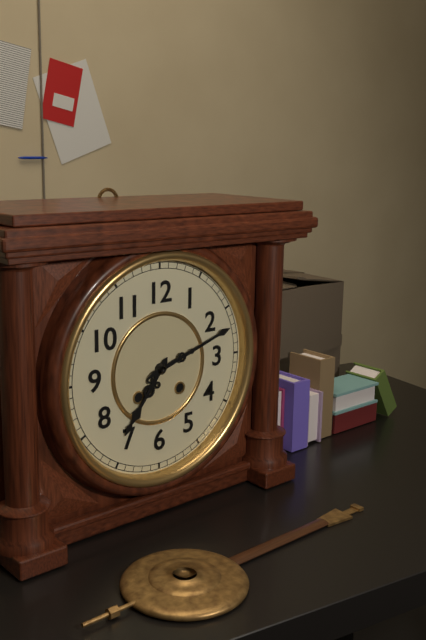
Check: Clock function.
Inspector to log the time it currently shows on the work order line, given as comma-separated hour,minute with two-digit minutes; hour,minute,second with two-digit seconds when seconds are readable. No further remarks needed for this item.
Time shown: 7,12
